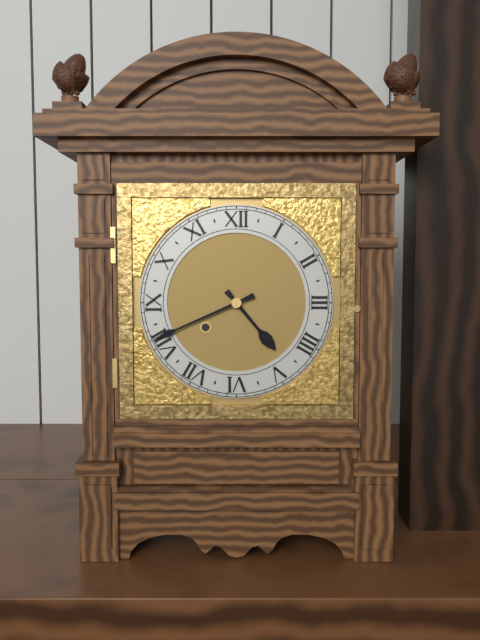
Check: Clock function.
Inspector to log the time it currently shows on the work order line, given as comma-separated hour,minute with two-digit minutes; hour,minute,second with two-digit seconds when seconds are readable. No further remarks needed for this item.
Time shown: 4,41
